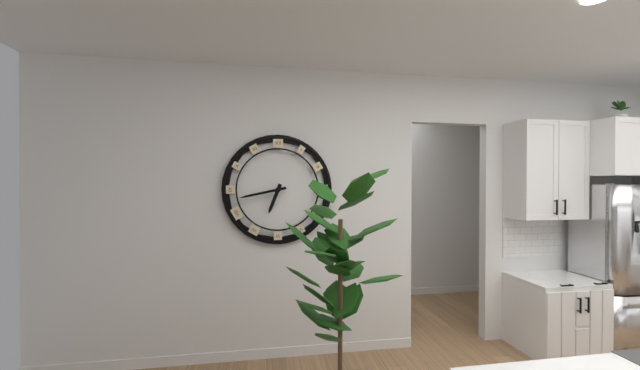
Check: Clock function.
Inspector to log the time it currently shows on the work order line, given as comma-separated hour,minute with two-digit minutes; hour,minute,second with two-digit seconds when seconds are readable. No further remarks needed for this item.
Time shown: 6,43
